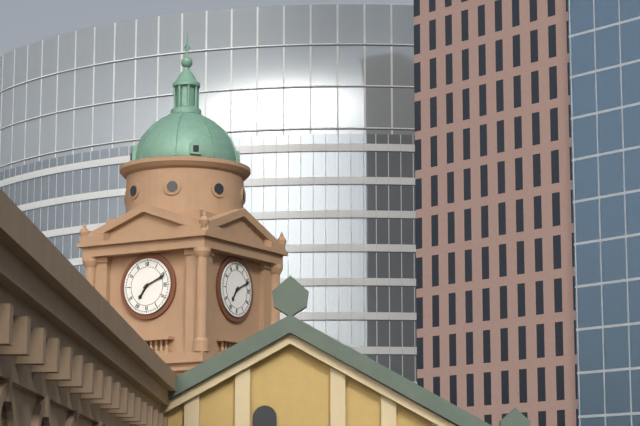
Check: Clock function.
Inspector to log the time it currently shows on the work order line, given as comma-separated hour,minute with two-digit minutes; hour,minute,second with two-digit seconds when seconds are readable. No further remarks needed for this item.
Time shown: 7,11
